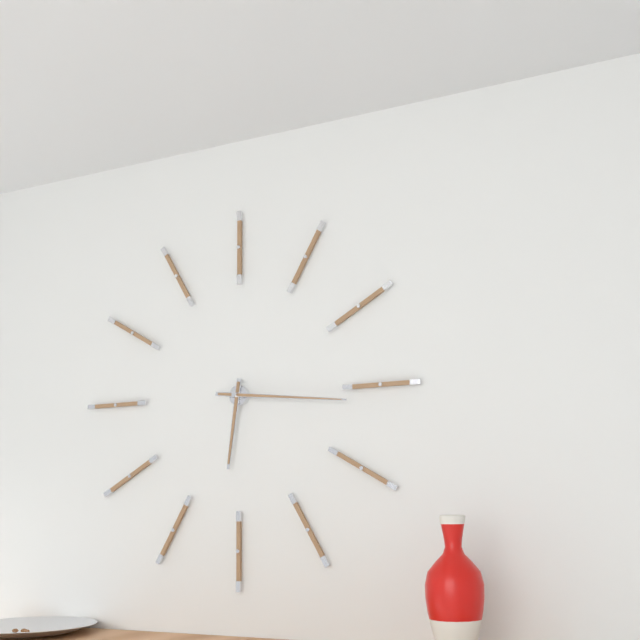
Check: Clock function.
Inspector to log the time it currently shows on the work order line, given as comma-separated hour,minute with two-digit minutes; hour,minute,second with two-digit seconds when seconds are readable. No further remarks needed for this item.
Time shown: 6,16
